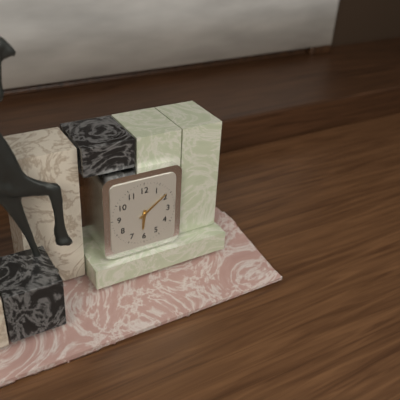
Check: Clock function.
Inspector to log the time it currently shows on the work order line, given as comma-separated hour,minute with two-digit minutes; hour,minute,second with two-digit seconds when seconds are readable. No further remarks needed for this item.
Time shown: 6,09
